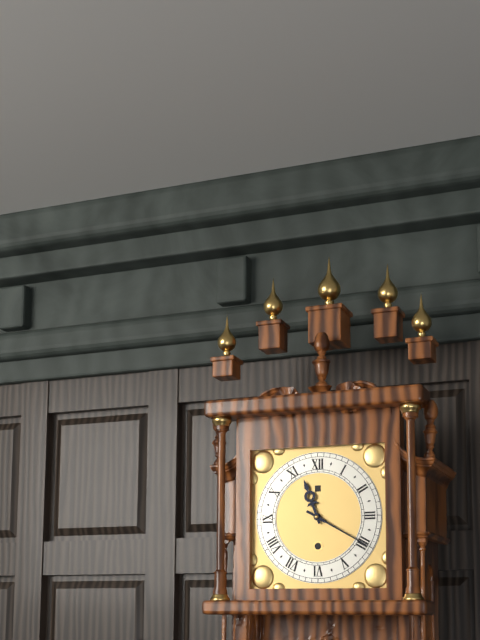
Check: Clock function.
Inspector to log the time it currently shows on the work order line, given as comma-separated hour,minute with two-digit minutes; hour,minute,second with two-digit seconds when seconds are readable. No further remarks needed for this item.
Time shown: 11,20
